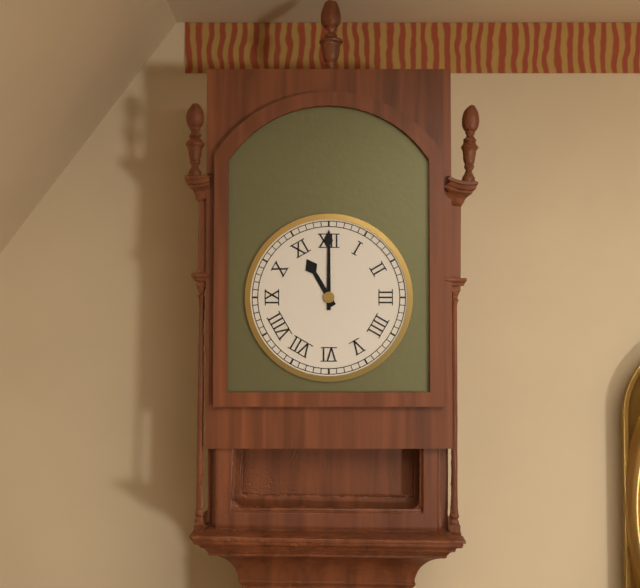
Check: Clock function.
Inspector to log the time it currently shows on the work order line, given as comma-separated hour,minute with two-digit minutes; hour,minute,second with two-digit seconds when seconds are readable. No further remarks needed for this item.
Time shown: 11,00
